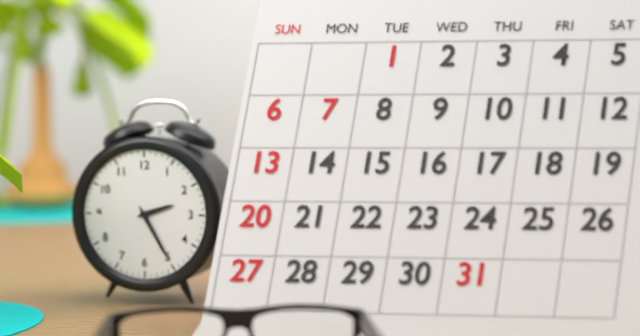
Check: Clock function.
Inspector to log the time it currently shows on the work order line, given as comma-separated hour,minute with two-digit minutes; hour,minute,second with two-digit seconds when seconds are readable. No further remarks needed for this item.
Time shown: 2,25
